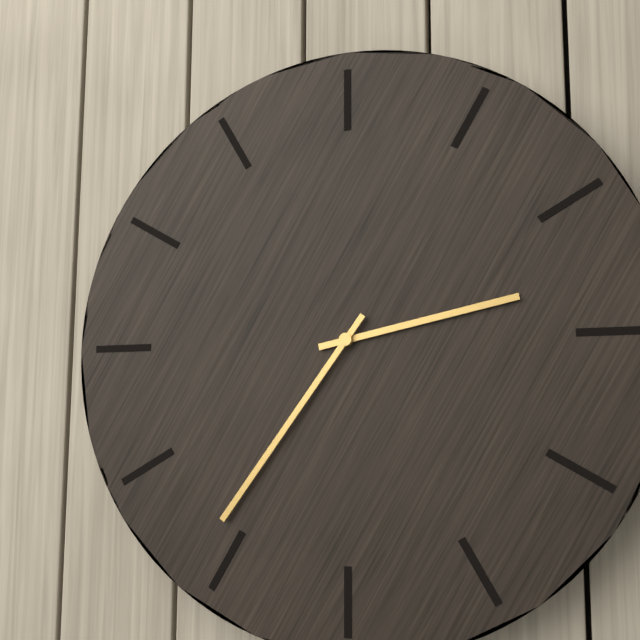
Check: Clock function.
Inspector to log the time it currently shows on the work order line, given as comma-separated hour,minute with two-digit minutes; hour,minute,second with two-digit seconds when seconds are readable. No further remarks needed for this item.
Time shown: 2,36
